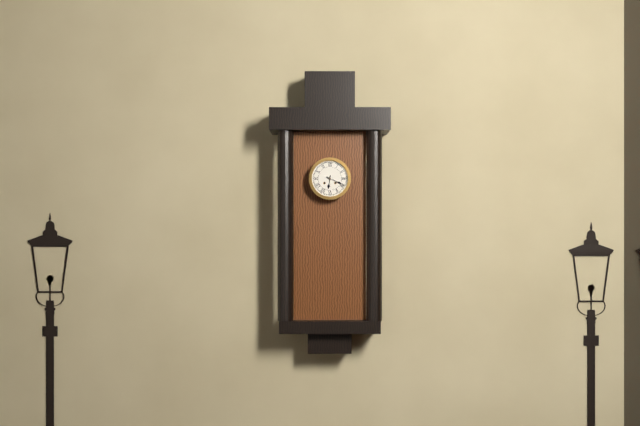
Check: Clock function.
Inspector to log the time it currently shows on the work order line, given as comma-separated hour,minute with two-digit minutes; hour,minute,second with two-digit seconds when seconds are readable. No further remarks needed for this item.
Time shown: 6,19
